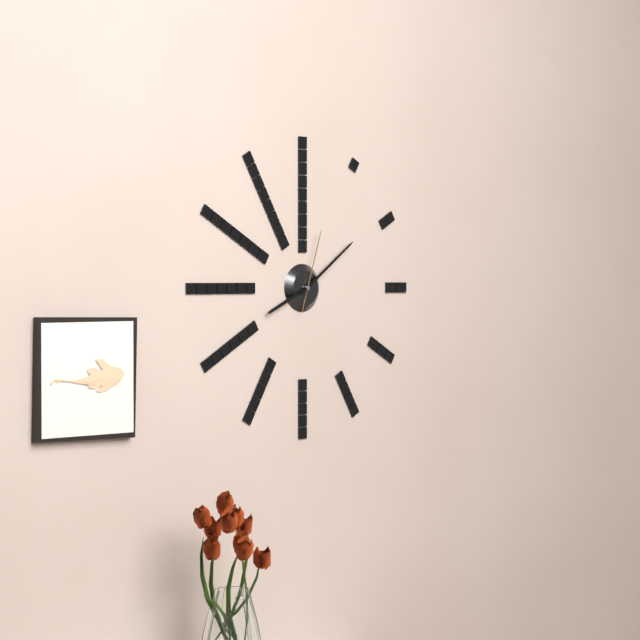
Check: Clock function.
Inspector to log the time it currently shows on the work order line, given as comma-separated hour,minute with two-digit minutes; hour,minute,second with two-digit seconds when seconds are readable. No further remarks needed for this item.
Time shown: 8,09,03
